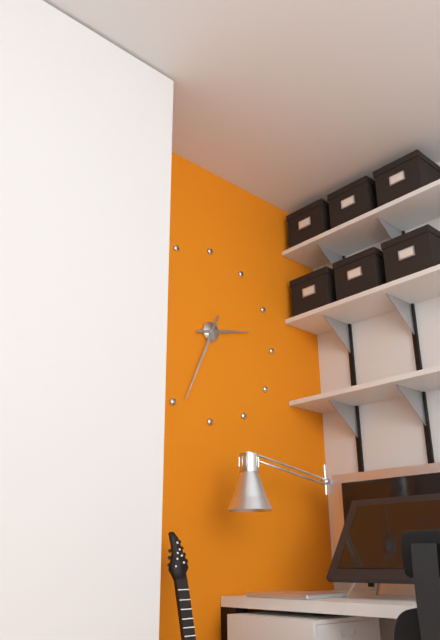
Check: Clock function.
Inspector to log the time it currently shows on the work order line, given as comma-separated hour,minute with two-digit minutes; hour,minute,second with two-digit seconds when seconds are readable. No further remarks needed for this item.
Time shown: 2,34
